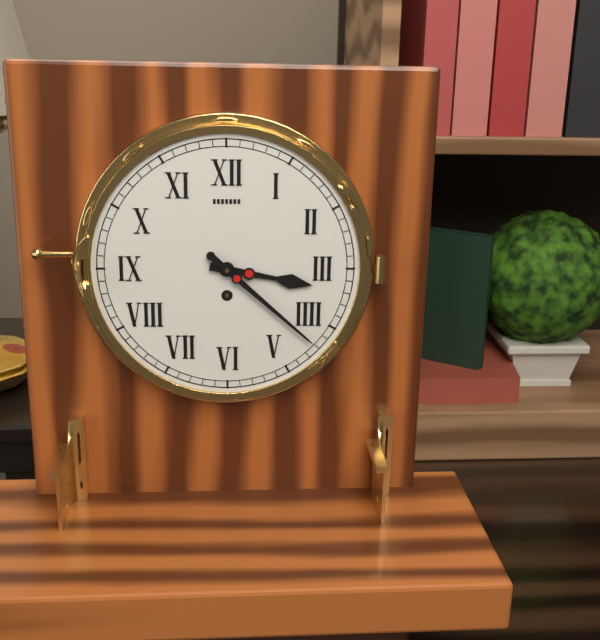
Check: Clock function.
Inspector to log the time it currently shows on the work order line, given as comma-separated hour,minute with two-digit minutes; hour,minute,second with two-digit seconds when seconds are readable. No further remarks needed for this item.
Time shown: 3,22
